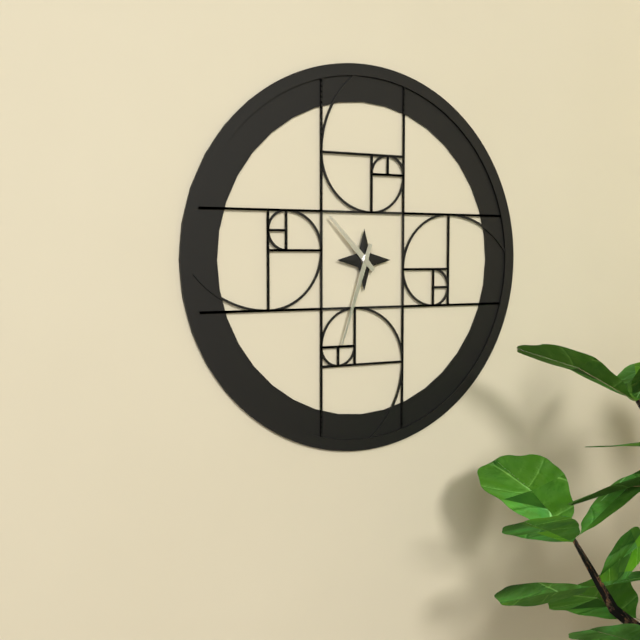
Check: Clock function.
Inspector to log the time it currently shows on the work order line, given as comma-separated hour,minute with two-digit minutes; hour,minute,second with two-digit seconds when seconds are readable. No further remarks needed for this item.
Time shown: 10,33
